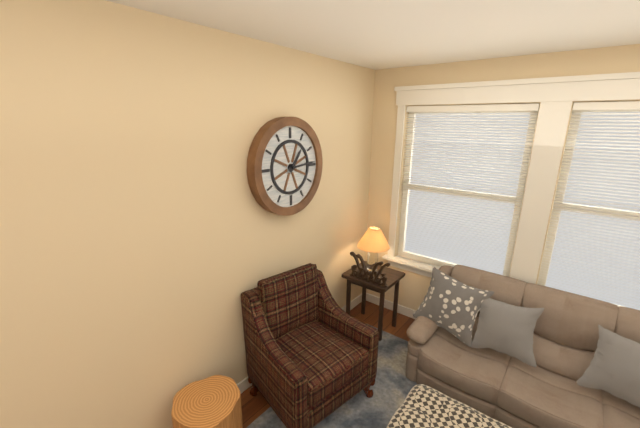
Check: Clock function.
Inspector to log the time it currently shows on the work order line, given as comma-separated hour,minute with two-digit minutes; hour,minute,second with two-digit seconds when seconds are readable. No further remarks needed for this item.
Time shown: 1,14
